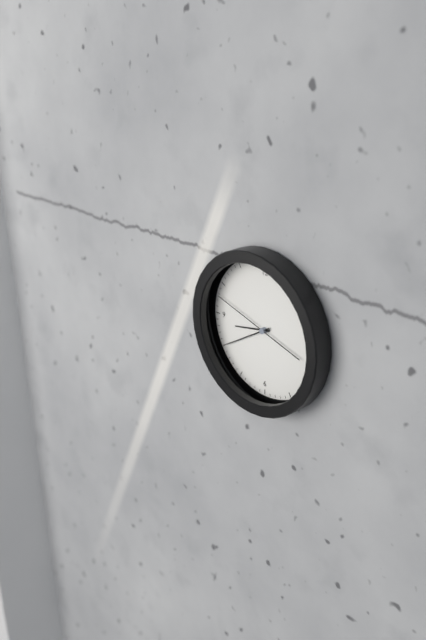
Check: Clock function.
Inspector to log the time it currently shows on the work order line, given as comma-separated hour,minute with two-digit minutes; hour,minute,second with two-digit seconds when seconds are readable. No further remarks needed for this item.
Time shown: 8,40,48
